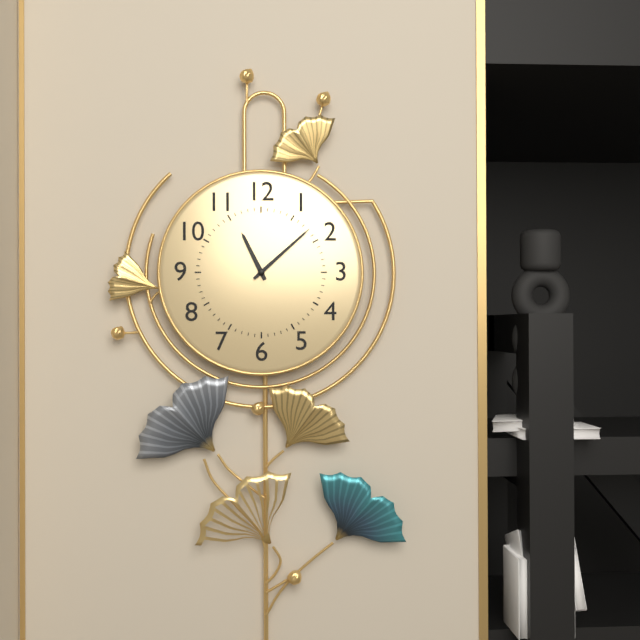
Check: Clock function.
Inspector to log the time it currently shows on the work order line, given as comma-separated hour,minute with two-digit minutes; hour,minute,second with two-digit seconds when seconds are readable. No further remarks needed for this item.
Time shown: 11,08
